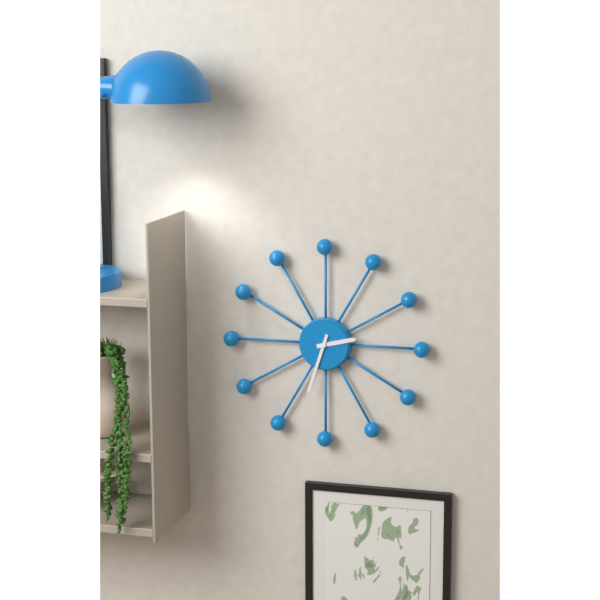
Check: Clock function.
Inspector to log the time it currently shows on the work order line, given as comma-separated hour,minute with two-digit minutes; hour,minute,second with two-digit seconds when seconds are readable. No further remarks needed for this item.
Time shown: 2,33
